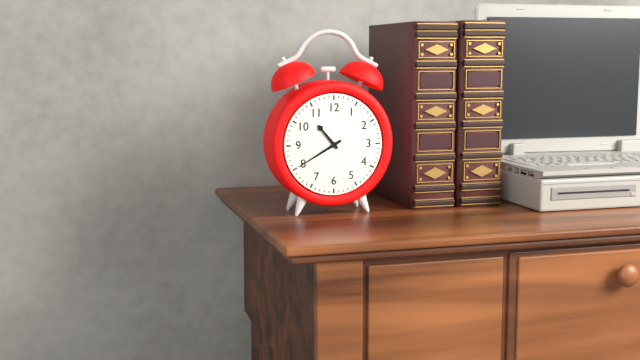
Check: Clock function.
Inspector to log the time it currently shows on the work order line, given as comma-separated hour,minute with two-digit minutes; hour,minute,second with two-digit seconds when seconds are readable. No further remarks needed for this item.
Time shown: 10,40
